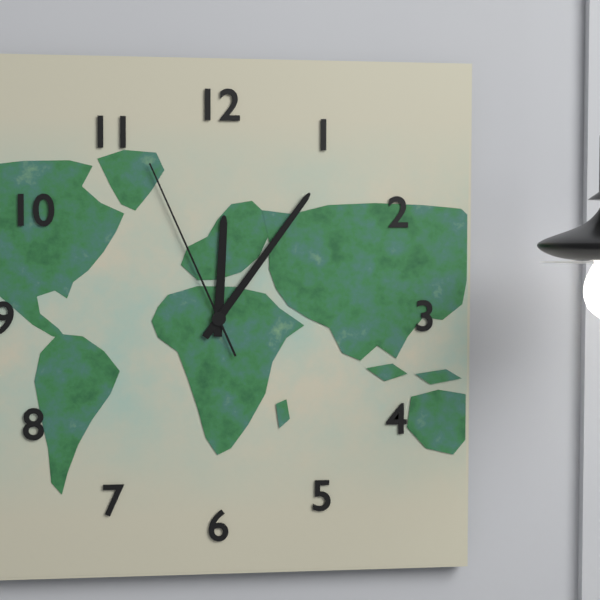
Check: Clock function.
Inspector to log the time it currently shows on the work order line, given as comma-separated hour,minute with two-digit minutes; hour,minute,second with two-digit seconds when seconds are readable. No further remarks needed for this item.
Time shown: 12,06,56
